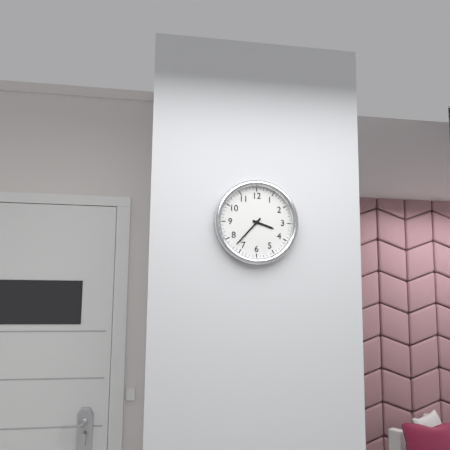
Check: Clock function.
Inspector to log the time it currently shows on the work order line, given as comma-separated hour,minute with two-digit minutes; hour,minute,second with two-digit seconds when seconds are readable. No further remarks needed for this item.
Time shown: 3,37
